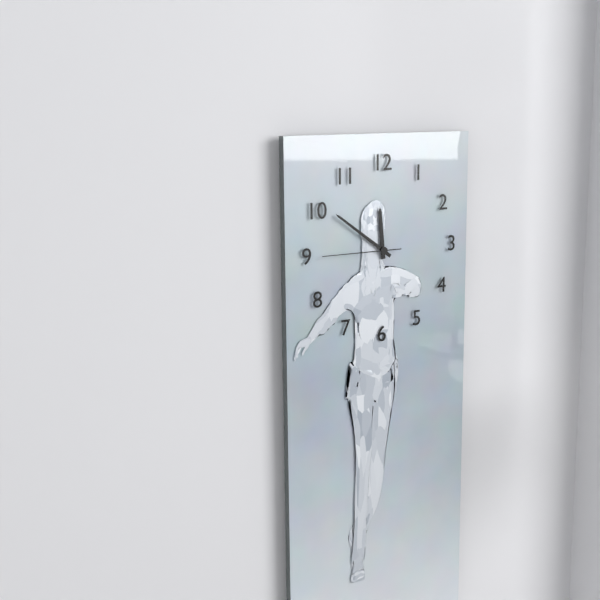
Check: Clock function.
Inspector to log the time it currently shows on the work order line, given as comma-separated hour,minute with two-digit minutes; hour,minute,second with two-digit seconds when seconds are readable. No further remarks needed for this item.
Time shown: 11,51,45
